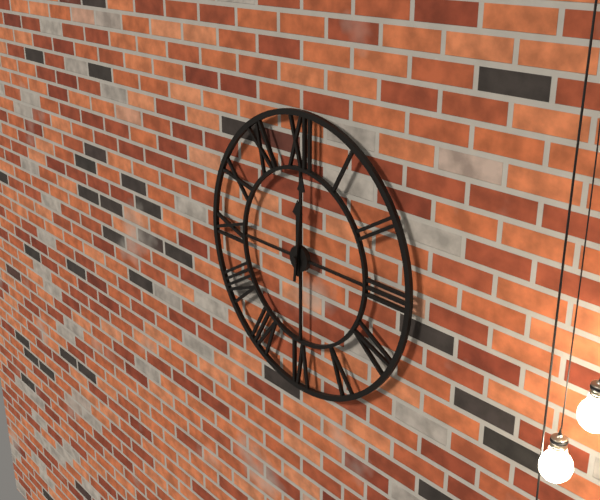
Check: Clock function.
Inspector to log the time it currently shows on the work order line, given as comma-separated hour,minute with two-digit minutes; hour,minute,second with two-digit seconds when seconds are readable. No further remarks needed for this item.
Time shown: 12,01
